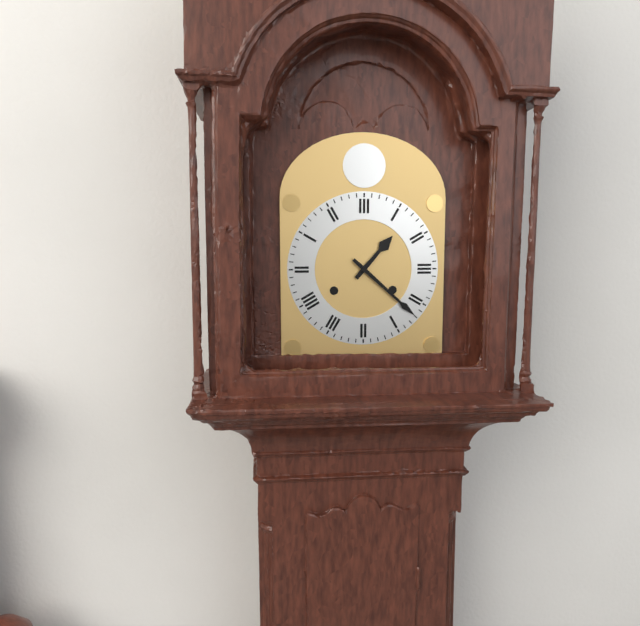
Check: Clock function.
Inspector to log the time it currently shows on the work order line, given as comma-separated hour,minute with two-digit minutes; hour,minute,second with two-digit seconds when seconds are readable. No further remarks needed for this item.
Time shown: 1,22
